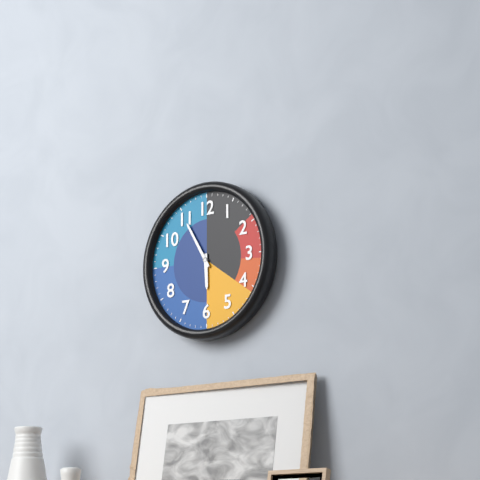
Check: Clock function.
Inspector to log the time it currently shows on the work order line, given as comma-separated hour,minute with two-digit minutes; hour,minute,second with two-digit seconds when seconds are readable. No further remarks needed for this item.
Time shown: 5,55
